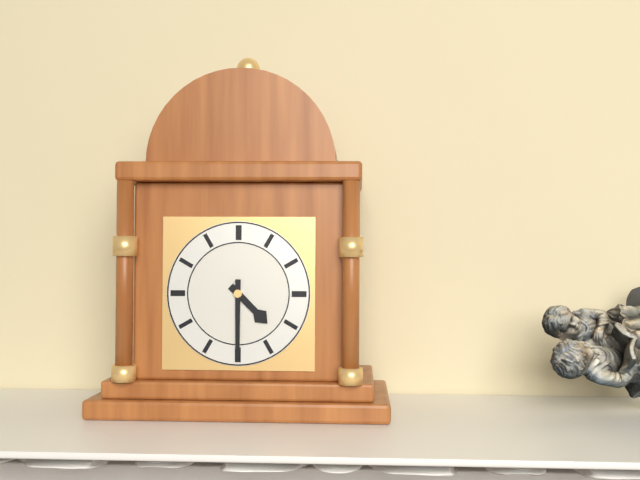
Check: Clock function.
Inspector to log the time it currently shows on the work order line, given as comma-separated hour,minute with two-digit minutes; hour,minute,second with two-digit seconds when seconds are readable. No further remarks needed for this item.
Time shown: 4,30
